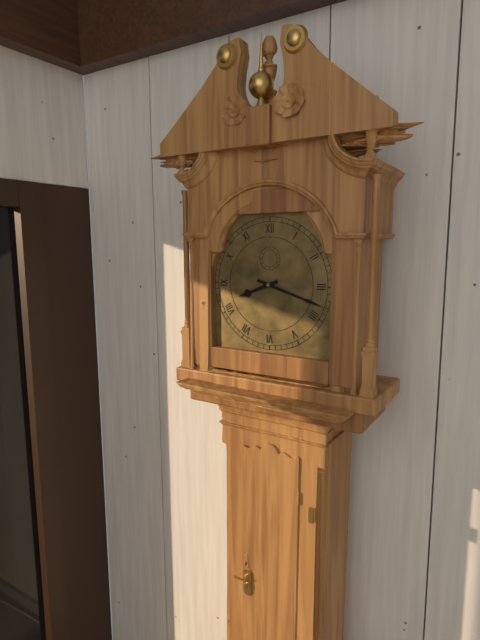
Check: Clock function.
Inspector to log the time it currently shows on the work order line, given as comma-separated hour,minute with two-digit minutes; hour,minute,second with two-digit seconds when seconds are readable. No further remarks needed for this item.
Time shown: 8,18
